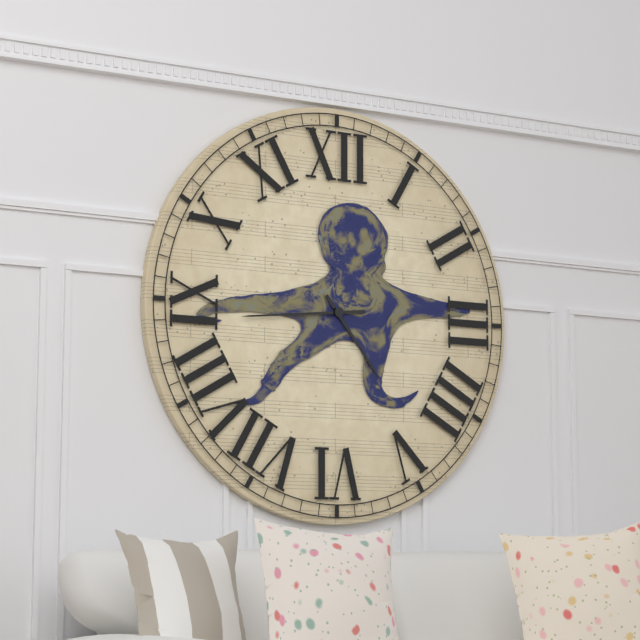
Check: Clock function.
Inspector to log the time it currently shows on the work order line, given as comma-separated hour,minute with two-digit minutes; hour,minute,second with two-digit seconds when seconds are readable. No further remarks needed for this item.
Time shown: 4,44
